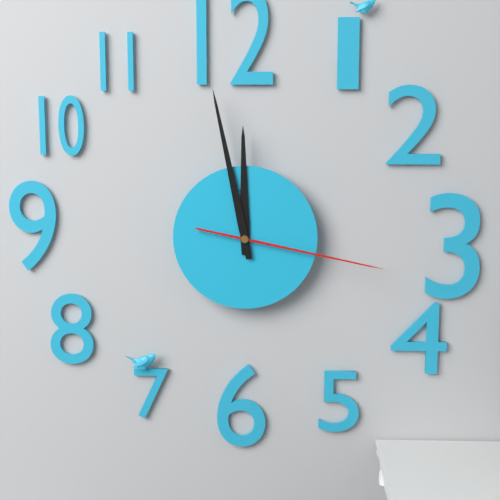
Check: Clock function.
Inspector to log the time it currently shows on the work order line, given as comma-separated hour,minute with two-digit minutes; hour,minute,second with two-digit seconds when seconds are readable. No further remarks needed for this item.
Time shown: 11,58,17
